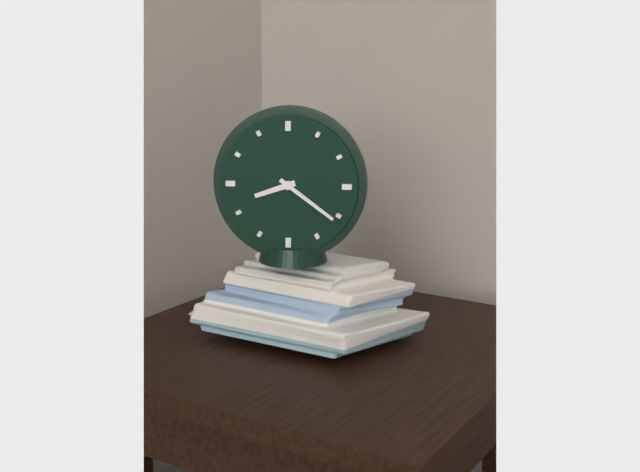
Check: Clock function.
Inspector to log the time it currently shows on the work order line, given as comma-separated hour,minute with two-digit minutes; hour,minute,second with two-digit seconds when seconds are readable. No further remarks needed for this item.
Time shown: 8,21
